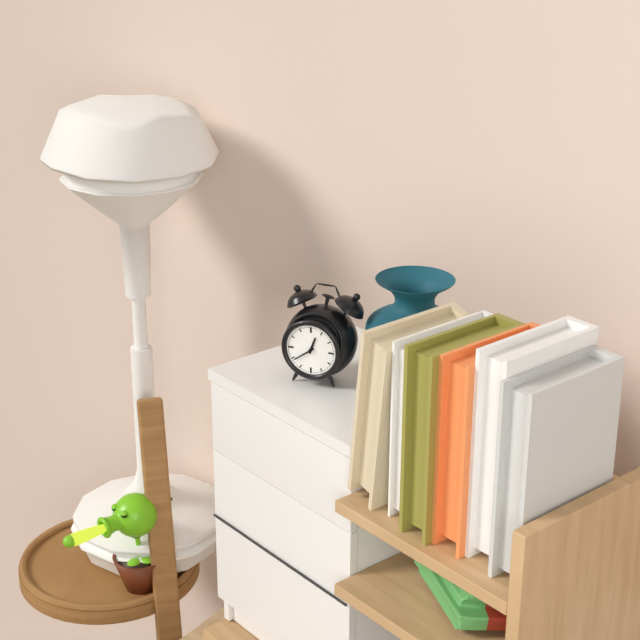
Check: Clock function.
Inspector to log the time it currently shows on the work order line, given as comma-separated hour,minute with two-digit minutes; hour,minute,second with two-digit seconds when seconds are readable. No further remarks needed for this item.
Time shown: 12,39
